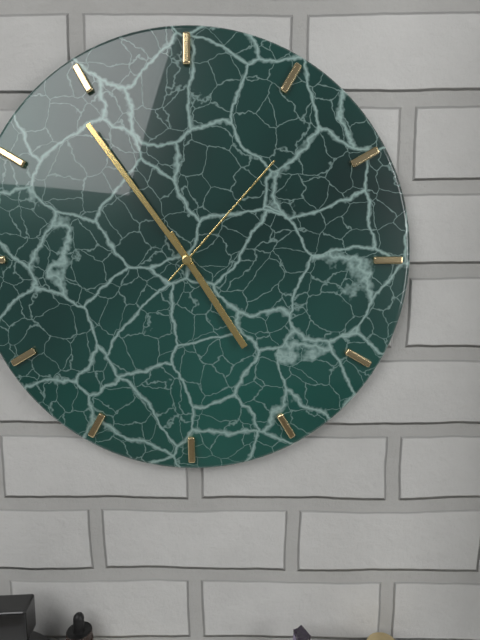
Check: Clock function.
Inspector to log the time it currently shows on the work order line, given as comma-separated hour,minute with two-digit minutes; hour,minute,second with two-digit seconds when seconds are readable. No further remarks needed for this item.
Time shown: 4,54,07
